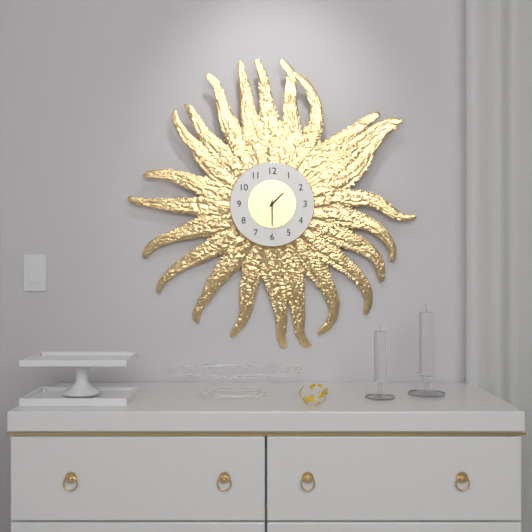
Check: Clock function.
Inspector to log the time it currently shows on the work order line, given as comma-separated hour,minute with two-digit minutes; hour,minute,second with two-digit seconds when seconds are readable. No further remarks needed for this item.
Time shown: 1,30
